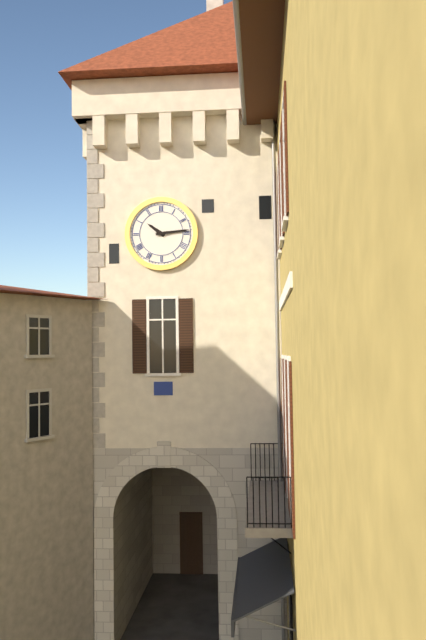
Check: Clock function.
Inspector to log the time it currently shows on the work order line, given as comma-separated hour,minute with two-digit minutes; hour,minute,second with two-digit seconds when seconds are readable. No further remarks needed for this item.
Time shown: 10,14
